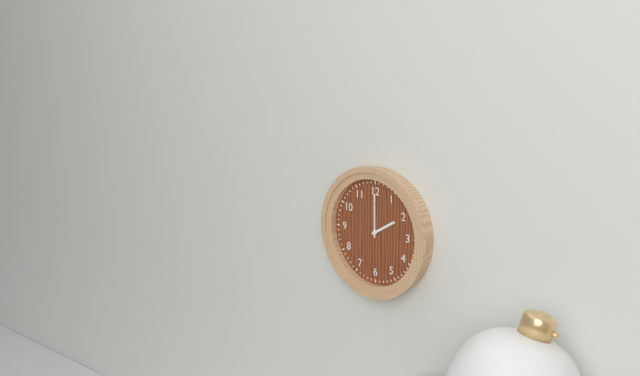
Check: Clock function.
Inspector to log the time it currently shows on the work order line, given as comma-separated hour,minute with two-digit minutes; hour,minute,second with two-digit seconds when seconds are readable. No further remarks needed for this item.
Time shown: 2,00
